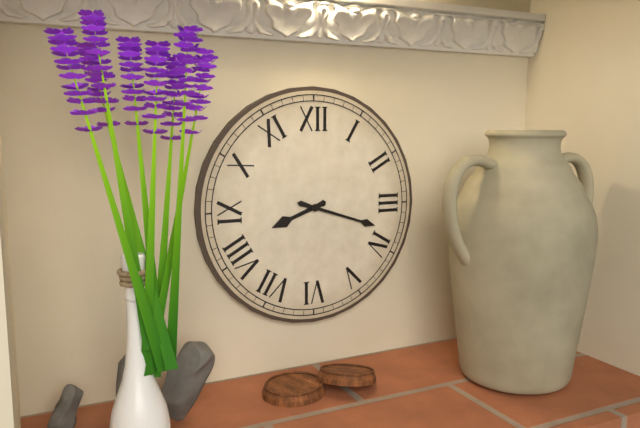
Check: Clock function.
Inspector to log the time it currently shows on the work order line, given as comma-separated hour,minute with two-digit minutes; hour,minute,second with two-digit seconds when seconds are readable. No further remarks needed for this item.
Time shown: 8,18
